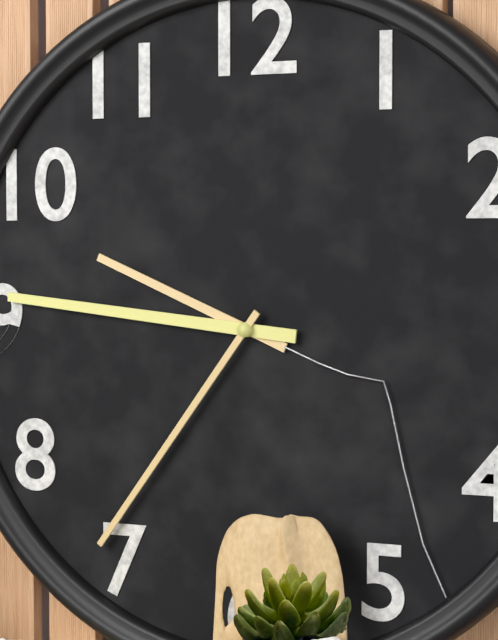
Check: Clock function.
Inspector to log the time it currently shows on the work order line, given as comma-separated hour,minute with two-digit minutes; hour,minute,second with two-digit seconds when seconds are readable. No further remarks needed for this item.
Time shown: 9,46,36
